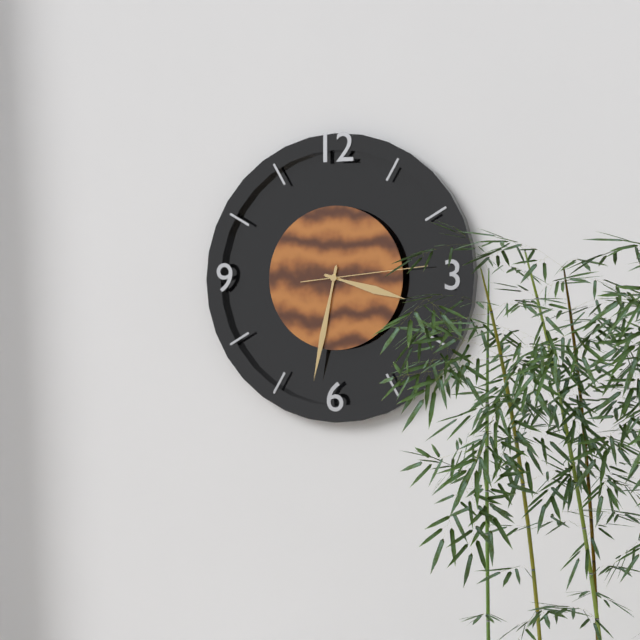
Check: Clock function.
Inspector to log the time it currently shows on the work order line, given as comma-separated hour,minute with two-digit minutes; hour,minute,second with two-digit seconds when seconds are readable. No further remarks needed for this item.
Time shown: 3,32,14
